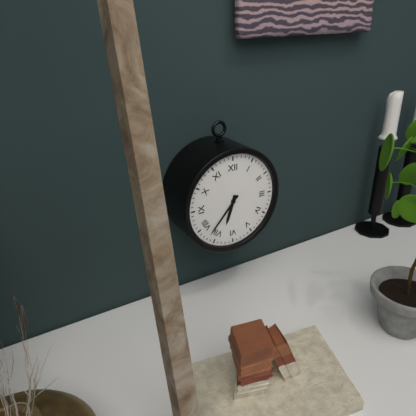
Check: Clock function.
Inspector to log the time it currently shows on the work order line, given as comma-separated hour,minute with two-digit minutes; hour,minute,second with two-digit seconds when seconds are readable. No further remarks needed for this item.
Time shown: 6,37
